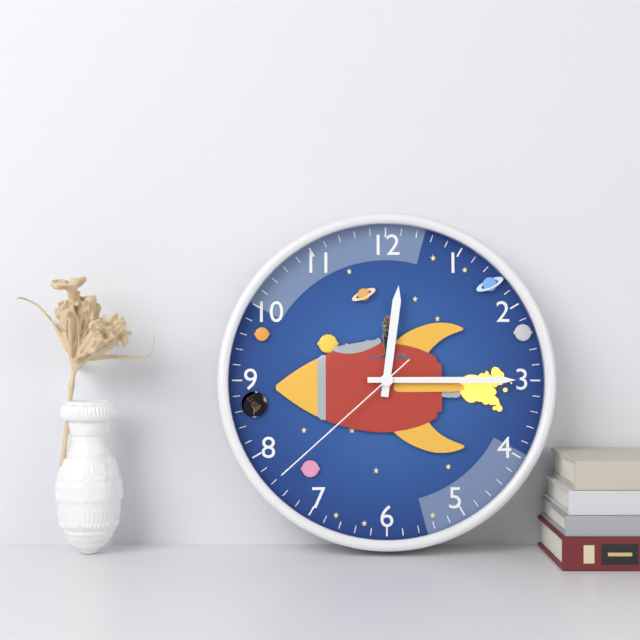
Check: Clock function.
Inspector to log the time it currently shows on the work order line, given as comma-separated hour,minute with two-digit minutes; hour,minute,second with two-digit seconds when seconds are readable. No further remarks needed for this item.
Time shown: 12,15,38
